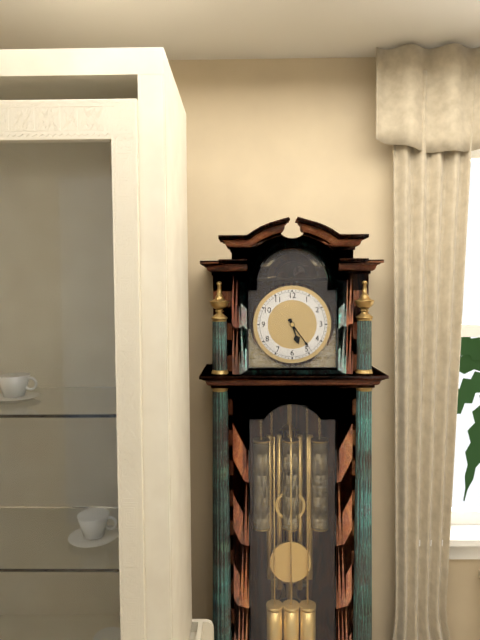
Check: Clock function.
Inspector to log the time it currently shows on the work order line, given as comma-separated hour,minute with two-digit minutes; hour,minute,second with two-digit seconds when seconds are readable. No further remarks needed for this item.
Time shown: 5,24
